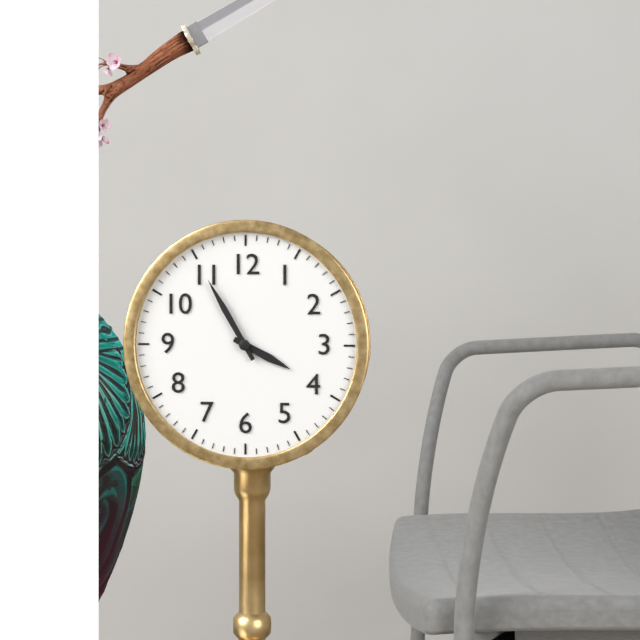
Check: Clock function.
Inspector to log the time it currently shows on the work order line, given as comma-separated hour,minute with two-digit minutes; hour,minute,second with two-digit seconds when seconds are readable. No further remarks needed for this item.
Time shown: 3,55
